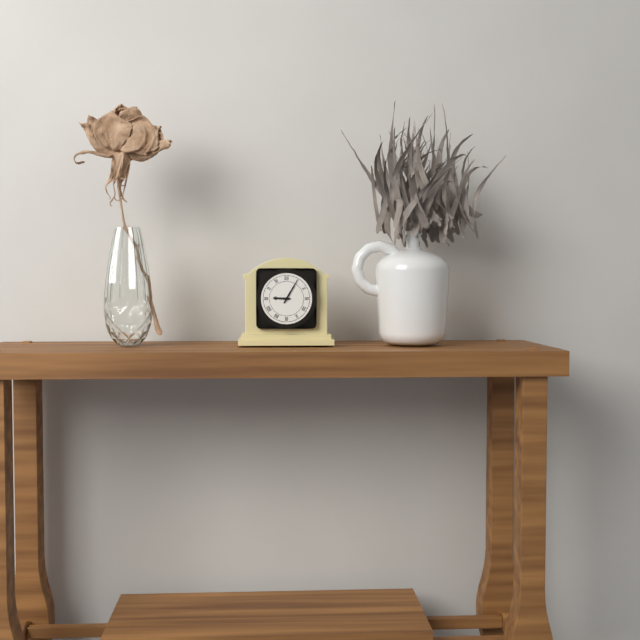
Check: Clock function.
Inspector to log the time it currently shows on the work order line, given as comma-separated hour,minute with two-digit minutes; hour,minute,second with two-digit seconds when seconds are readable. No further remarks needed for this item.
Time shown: 9,05
